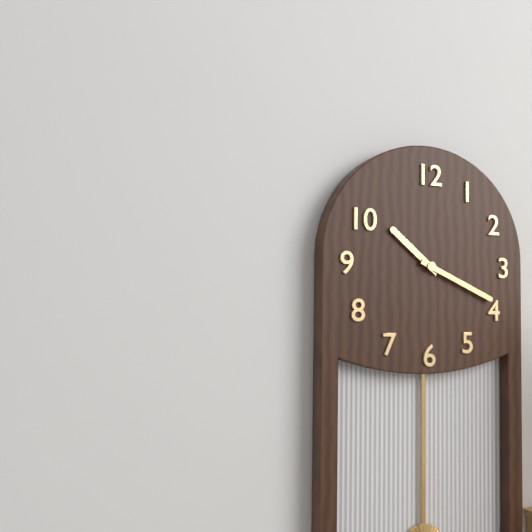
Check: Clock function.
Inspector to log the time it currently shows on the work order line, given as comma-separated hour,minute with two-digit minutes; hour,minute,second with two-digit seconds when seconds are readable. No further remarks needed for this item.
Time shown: 10,19
